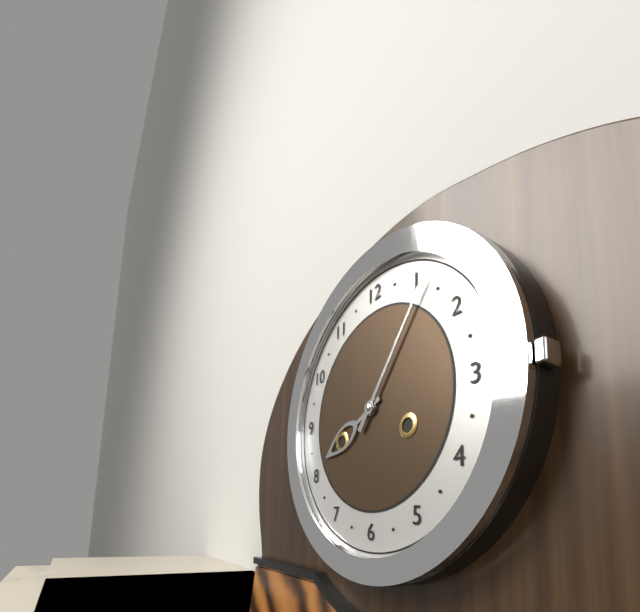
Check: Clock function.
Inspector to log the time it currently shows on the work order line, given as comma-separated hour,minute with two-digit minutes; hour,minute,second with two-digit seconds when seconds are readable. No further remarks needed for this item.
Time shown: 8,06
